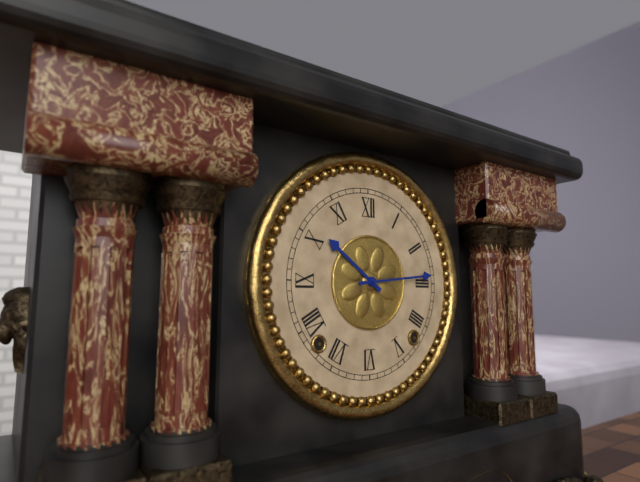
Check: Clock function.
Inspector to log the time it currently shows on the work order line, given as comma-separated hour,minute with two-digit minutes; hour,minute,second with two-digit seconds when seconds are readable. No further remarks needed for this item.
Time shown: 10,14
